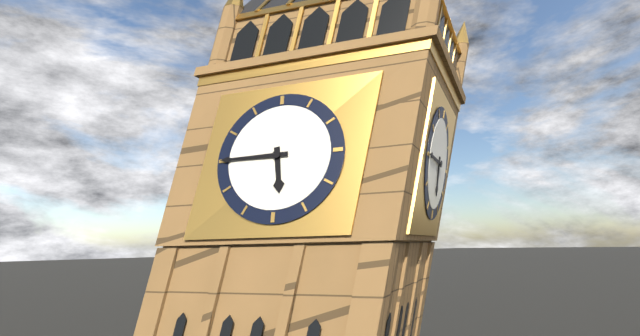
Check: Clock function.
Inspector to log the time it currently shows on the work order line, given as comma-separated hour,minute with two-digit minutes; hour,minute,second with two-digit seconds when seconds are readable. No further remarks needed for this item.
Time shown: 5,45
